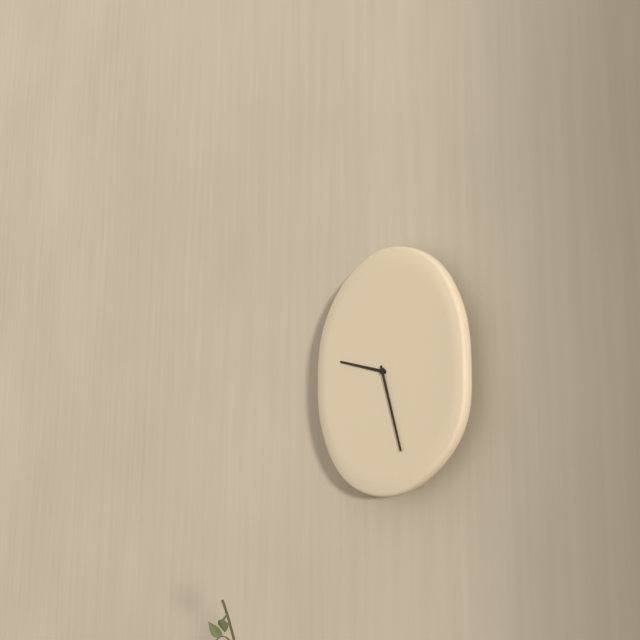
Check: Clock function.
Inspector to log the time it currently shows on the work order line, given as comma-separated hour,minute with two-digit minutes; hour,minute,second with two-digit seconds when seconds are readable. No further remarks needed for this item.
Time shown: 9,27
